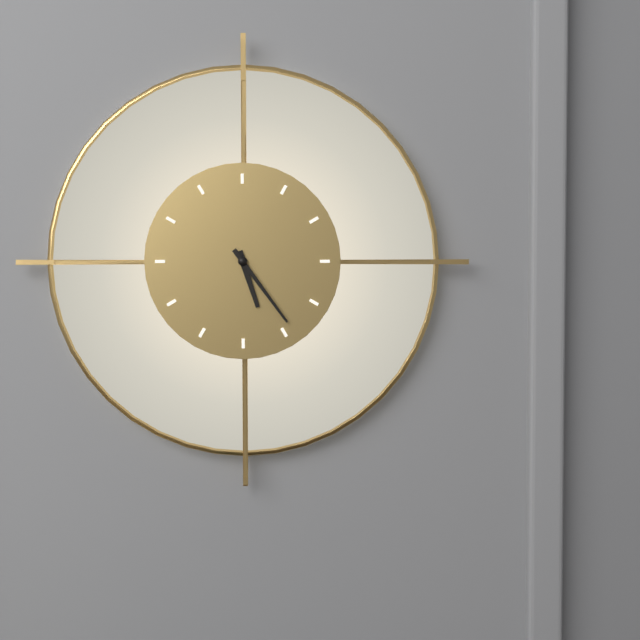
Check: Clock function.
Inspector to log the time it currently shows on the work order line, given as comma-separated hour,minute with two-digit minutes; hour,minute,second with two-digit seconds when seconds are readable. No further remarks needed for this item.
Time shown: 5,24
